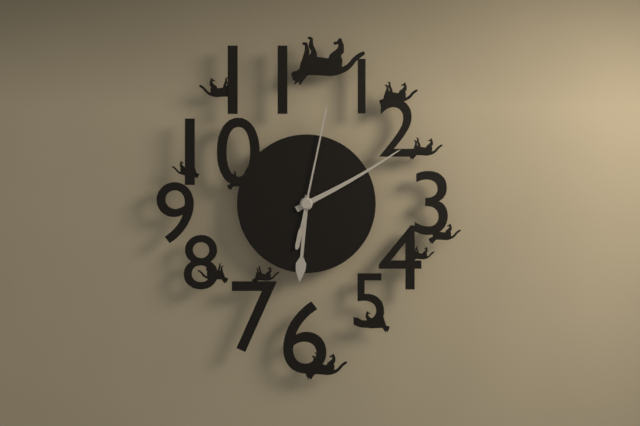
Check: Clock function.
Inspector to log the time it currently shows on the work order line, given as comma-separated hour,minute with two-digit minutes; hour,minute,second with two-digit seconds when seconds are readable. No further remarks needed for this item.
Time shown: 6,10,02
